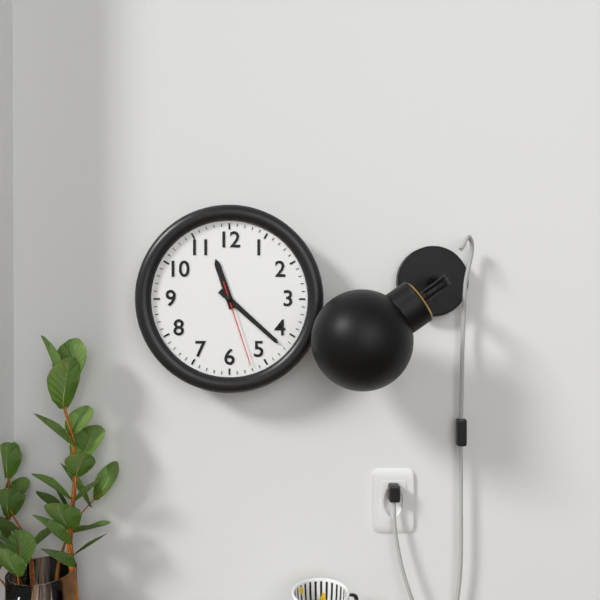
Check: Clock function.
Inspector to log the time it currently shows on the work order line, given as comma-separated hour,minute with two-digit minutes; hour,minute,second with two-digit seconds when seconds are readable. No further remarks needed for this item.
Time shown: 11,22,27
